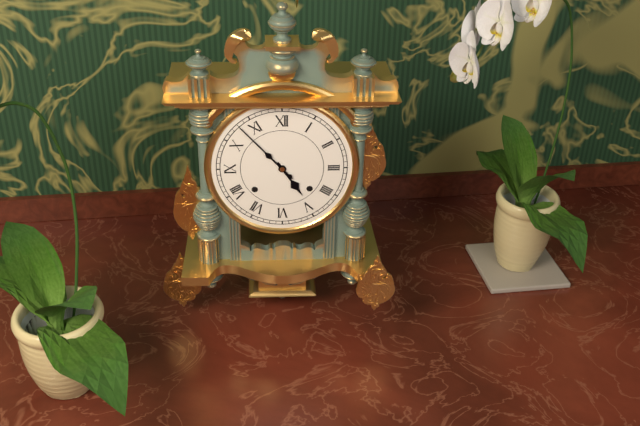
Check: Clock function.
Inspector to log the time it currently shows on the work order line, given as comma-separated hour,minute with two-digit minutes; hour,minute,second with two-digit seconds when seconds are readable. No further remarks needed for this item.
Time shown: 4,53
